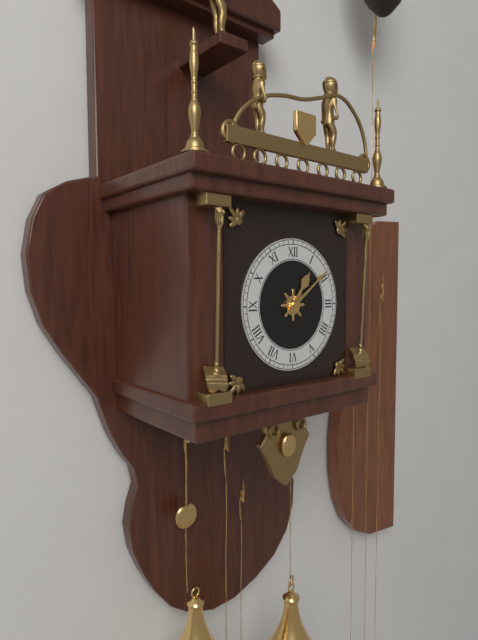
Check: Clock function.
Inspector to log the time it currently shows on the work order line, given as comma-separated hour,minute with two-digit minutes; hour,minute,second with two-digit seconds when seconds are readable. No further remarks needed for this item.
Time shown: 1,09
